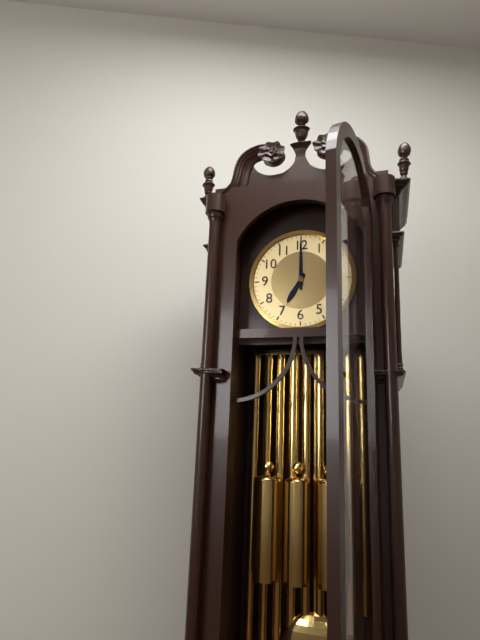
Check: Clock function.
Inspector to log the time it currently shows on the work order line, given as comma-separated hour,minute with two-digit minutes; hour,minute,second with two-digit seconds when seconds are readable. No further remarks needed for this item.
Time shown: 7,00
